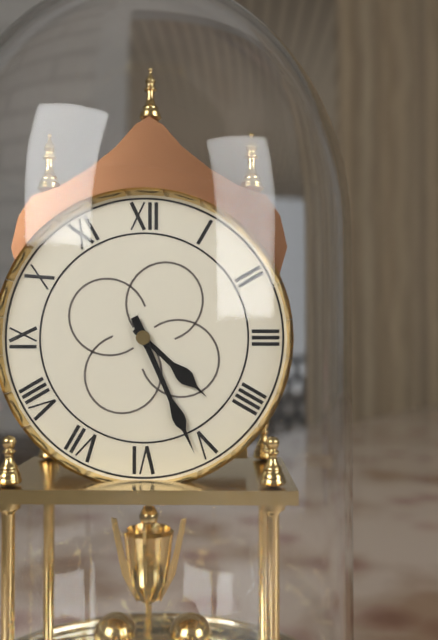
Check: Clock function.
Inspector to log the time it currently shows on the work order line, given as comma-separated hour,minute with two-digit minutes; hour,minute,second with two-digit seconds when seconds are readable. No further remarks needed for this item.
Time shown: 4,26
